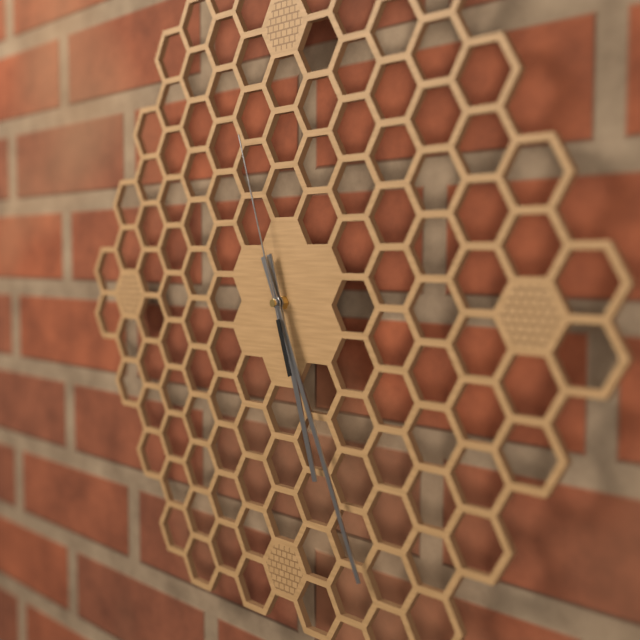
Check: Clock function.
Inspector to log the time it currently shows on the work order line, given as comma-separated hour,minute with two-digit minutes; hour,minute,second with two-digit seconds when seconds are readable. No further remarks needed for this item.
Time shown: 5,26,57
